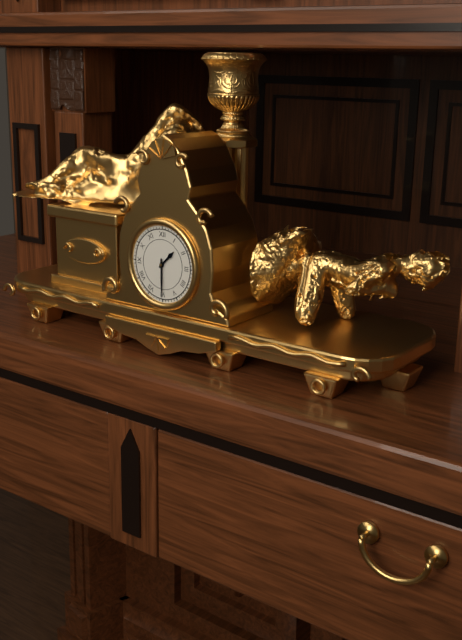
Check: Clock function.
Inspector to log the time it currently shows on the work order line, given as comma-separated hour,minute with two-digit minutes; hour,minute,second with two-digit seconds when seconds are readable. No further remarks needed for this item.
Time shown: 1,30
